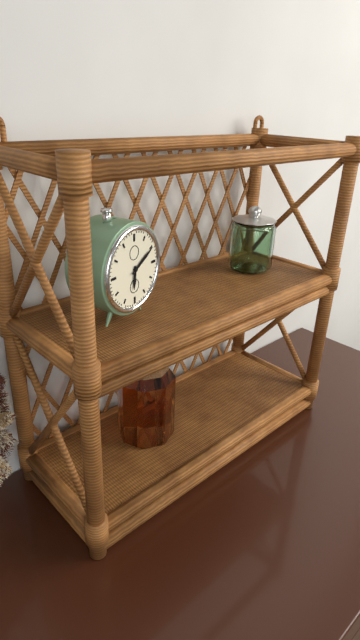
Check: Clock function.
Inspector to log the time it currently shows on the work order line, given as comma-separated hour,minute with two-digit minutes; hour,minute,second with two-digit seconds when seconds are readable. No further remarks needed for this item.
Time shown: 6,10
